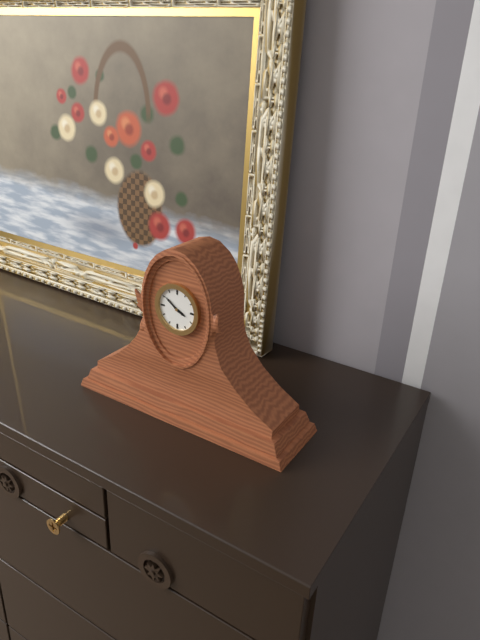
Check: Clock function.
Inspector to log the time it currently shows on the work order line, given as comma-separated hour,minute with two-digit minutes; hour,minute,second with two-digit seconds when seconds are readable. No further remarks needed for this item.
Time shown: 3,51
